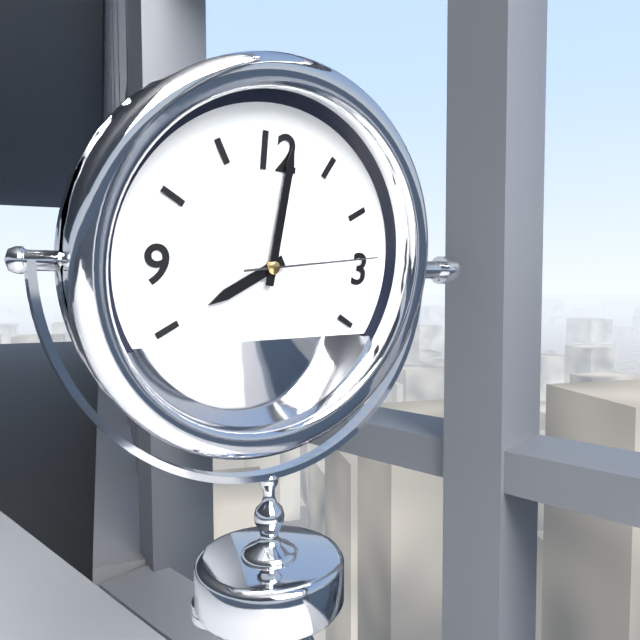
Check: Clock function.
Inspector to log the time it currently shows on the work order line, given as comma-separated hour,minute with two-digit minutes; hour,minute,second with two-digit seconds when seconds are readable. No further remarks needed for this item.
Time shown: 8,01,14
